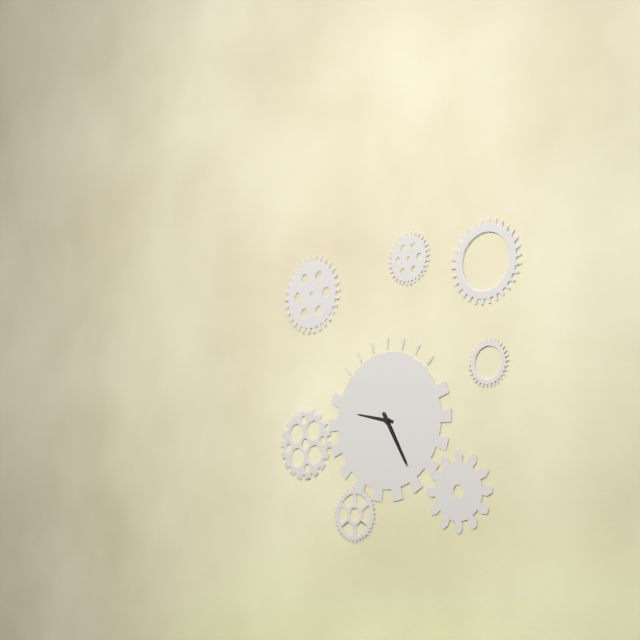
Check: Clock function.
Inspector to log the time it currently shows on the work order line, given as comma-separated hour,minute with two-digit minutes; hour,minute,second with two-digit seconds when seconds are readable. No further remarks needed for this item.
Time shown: 9,25
